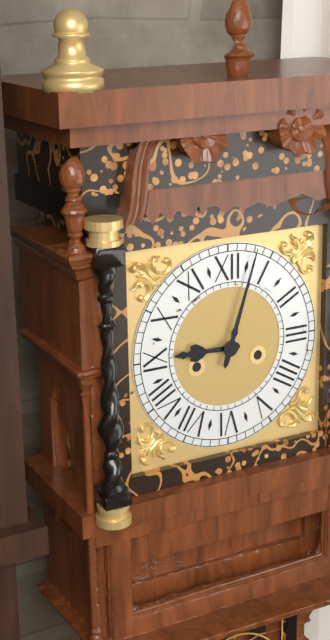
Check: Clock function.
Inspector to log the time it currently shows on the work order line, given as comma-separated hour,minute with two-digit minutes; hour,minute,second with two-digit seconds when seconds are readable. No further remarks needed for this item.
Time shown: 9,03
